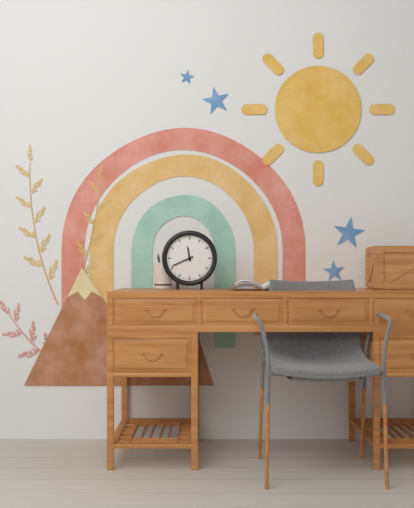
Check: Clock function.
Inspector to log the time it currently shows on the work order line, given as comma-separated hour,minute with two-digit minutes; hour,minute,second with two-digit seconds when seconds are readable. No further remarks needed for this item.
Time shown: 11,41
